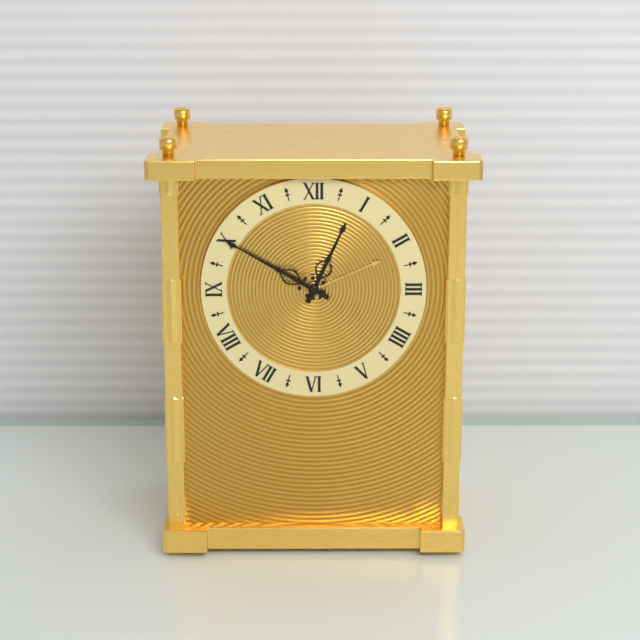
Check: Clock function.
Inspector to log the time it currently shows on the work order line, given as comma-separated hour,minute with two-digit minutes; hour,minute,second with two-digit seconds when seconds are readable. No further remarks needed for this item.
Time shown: 12,50
